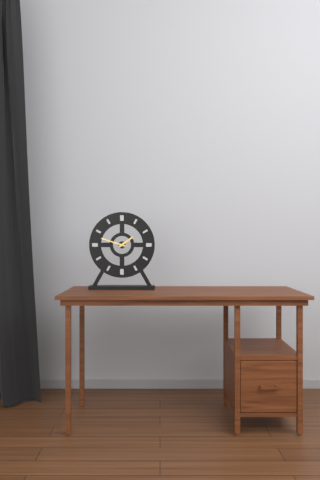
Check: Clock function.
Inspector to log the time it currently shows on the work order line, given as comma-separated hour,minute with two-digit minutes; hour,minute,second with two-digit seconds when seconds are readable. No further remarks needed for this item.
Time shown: 1,48
